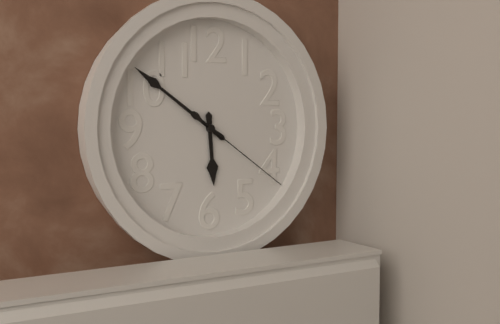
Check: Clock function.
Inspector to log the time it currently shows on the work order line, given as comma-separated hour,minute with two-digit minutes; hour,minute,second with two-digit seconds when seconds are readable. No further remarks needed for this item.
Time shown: 5,51,21
